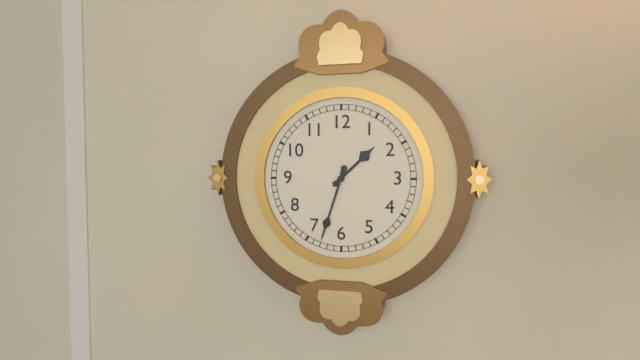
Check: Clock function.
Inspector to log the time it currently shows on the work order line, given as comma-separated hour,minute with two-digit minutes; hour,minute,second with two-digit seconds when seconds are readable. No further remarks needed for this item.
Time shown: 1,33
